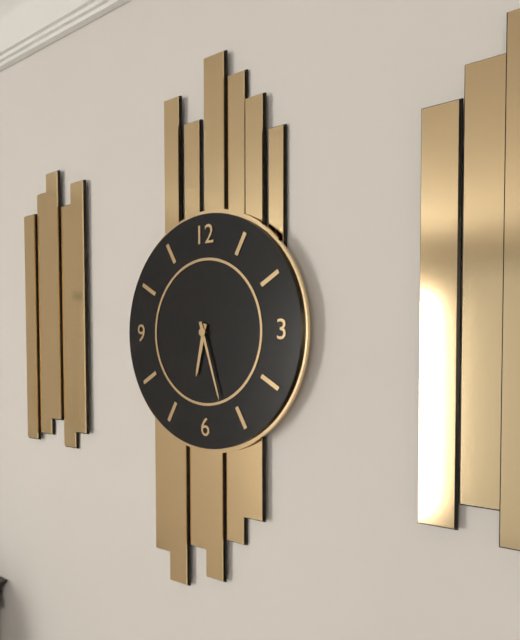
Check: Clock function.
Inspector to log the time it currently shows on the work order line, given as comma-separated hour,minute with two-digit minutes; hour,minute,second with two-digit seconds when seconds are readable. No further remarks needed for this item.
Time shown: 6,27
